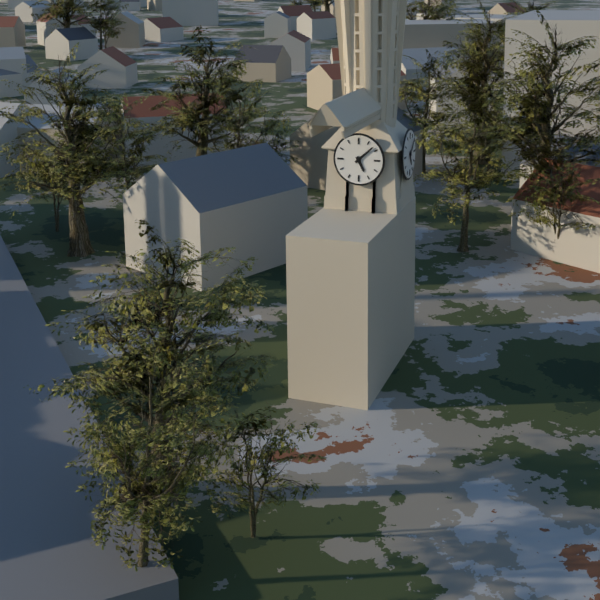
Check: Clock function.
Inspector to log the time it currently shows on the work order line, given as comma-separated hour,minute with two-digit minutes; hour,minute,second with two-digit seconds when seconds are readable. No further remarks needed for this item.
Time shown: 5,08
